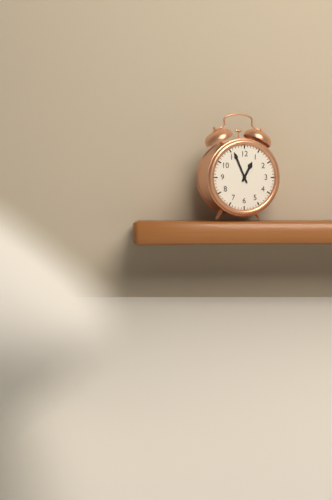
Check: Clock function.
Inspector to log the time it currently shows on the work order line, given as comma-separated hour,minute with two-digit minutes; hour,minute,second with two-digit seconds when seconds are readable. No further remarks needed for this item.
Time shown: 12,56
